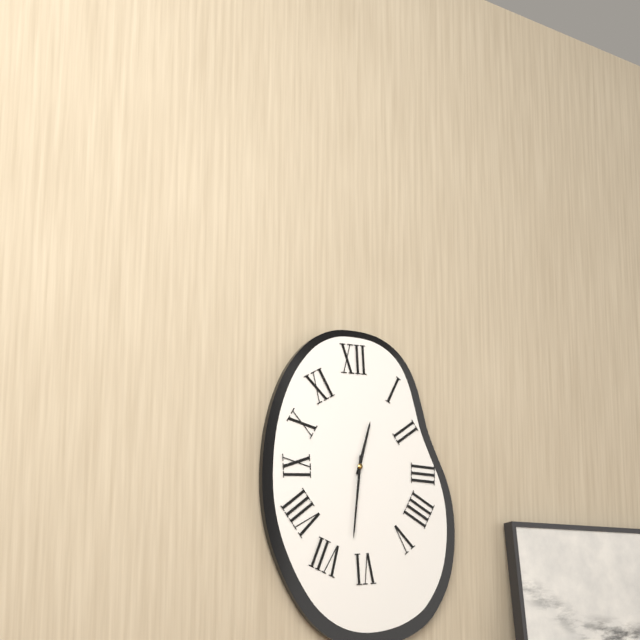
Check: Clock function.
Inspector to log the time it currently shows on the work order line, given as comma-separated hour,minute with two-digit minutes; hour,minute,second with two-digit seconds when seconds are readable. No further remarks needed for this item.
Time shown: 12,31
